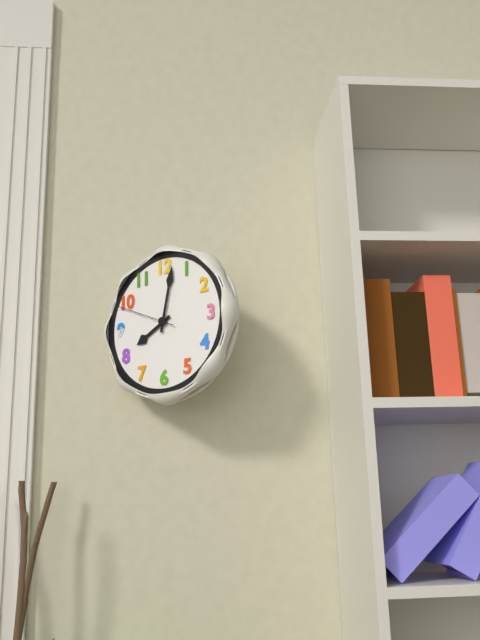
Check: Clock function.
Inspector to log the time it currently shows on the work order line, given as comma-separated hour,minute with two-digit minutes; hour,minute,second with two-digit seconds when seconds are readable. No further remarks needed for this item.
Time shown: 8,02,49
